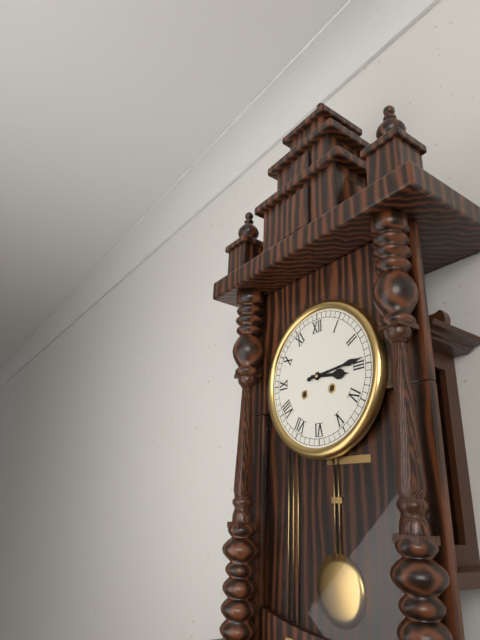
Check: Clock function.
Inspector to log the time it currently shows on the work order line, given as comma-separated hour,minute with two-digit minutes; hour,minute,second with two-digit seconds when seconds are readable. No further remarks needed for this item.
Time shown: 3,14
